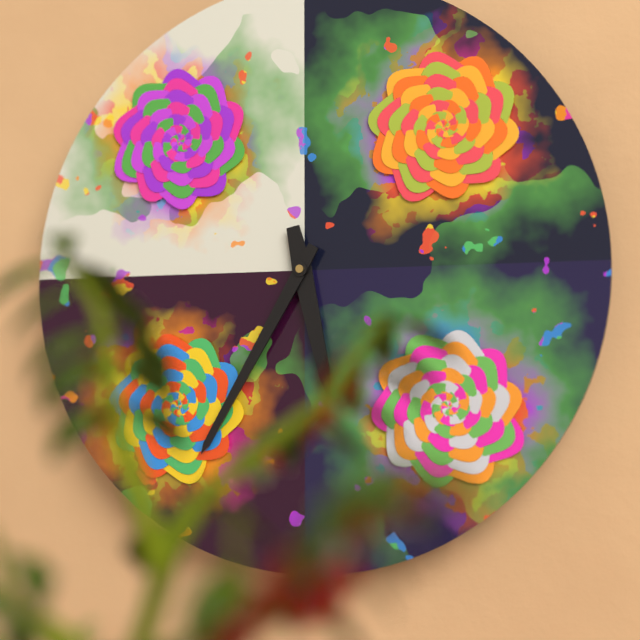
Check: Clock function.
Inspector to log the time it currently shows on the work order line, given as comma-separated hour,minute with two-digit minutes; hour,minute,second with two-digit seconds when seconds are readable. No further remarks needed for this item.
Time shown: 5,35
